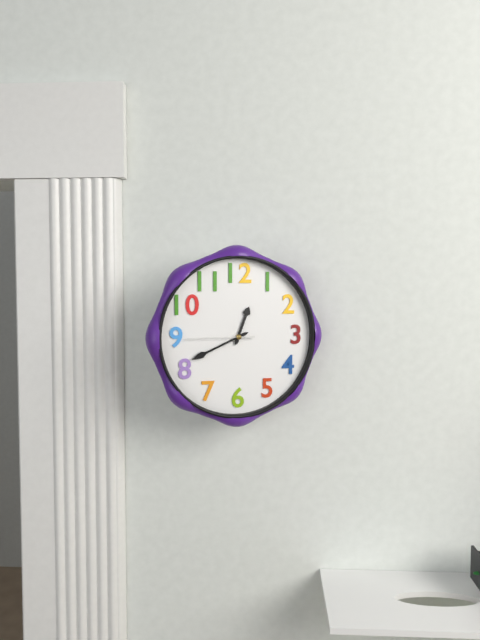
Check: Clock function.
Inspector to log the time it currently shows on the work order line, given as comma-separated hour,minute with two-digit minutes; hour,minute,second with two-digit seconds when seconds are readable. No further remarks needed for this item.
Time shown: 12,41,45
